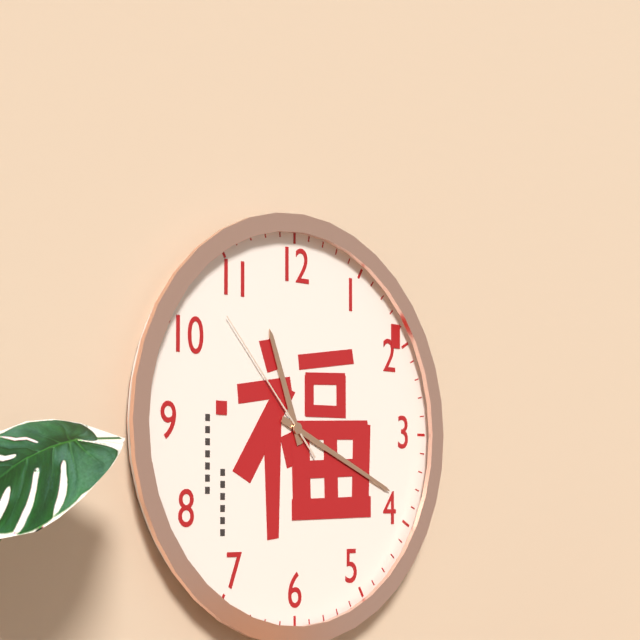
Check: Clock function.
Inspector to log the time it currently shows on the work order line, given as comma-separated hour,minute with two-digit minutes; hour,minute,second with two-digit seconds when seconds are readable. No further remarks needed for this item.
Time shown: 11,19,53
